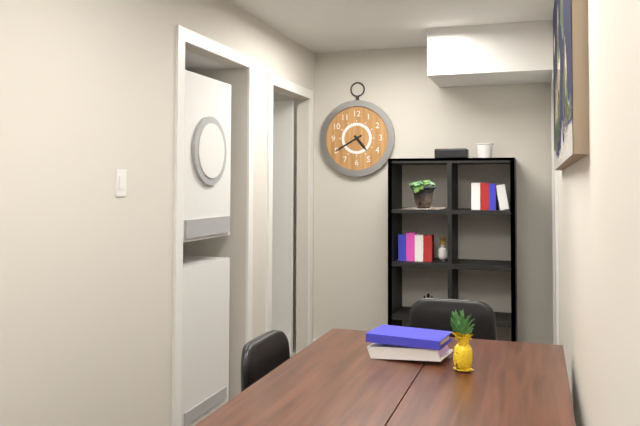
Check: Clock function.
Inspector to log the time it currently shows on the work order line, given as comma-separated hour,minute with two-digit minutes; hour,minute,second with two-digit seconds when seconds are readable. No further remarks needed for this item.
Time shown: 4,40
